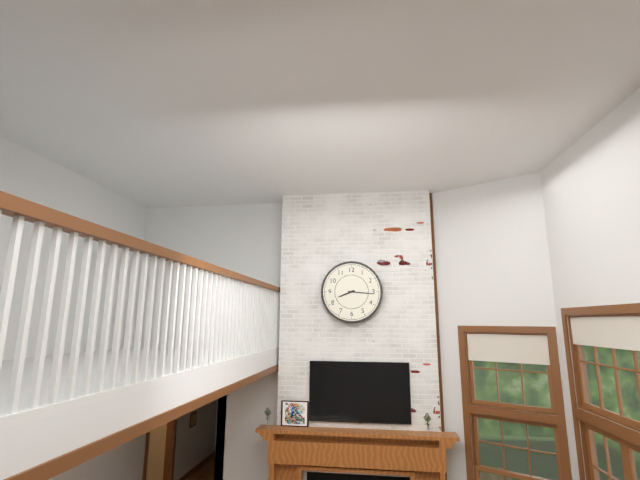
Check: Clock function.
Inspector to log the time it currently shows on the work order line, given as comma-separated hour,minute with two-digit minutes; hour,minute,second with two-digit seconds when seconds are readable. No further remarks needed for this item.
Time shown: 8,16
